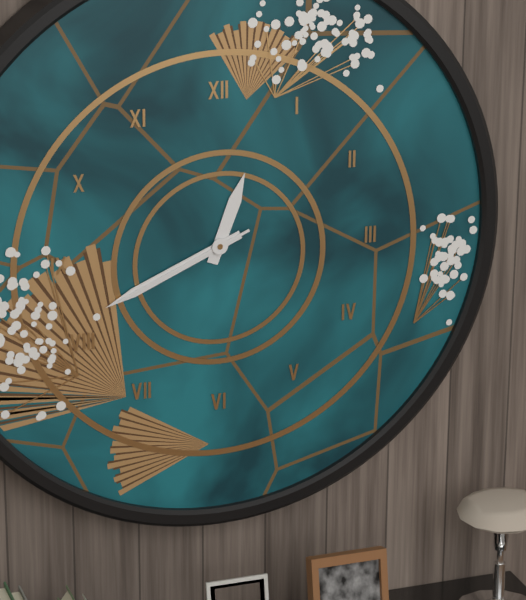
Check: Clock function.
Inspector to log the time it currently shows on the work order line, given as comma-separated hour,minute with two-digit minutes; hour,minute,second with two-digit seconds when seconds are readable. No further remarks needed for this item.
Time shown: 12,41,41
